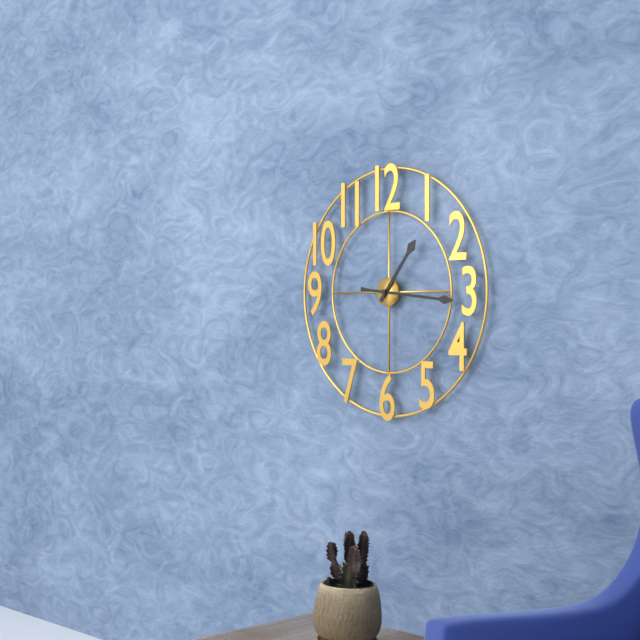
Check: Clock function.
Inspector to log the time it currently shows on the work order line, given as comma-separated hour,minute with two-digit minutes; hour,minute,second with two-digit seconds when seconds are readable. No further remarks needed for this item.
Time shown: 1,16
